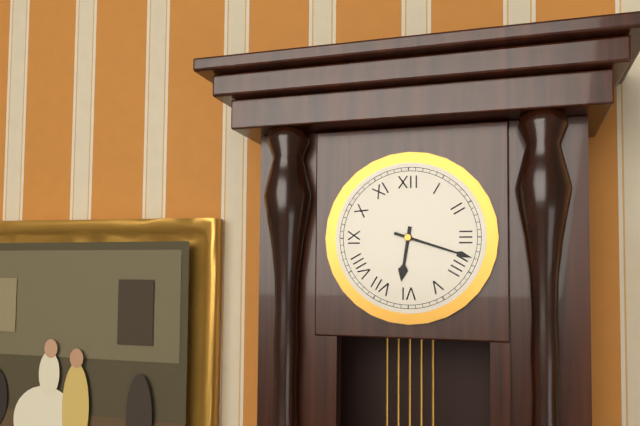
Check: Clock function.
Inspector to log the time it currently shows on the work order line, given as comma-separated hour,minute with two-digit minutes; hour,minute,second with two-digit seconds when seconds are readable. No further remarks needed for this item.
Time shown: 6,18
